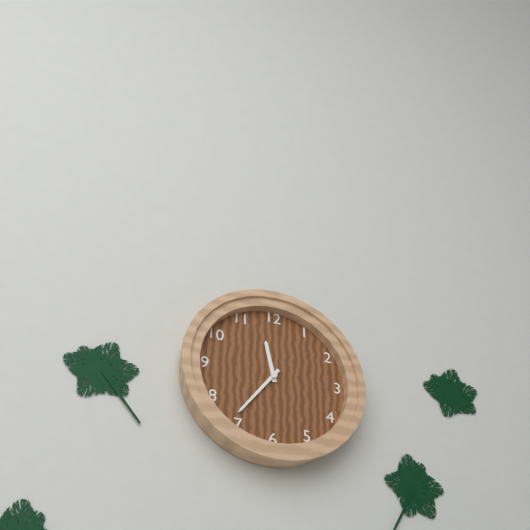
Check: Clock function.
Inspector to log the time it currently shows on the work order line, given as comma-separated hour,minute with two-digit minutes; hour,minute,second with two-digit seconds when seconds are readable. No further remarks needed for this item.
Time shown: 11,36
